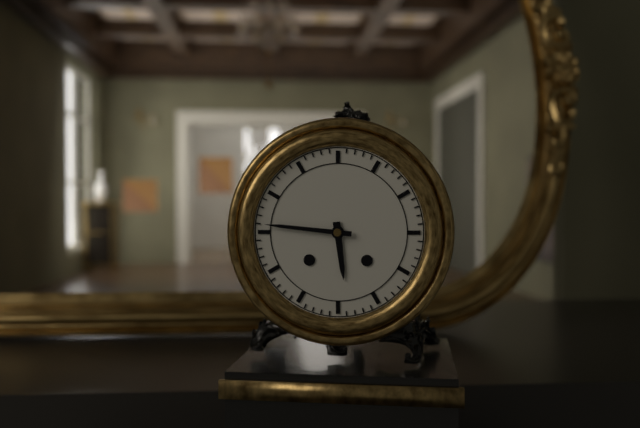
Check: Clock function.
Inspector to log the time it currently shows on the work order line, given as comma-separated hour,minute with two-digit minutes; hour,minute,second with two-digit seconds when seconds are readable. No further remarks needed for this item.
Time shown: 5,46
